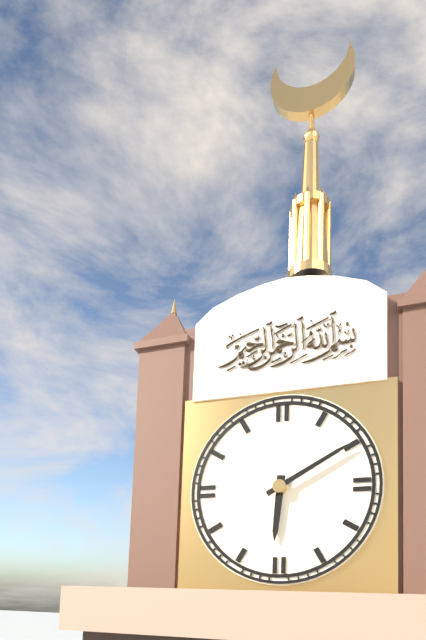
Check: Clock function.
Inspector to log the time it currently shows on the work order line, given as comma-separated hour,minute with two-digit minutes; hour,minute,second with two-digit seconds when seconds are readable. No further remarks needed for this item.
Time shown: 6,10
